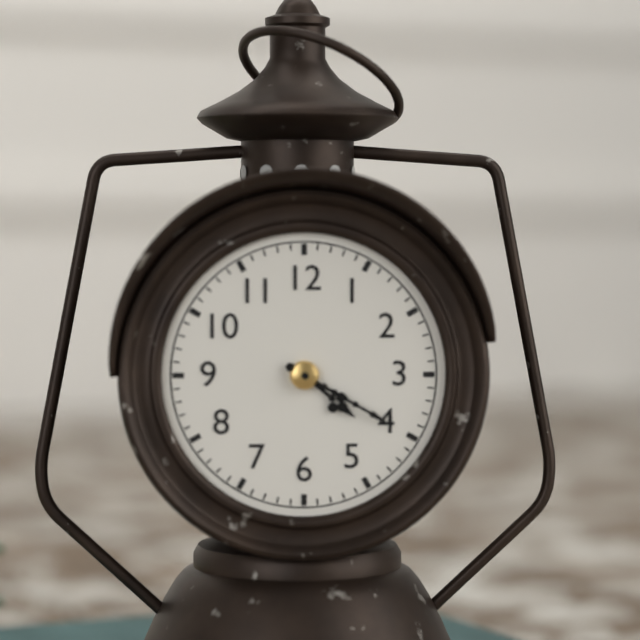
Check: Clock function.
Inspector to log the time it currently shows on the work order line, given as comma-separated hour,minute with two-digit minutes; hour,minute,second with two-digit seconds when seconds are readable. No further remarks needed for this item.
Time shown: 4,20
